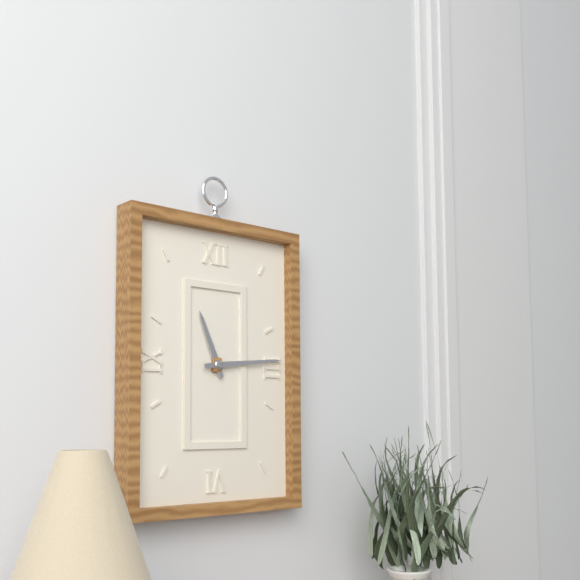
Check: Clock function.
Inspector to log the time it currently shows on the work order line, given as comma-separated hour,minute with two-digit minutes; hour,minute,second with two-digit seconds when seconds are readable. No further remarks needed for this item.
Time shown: 11,14
